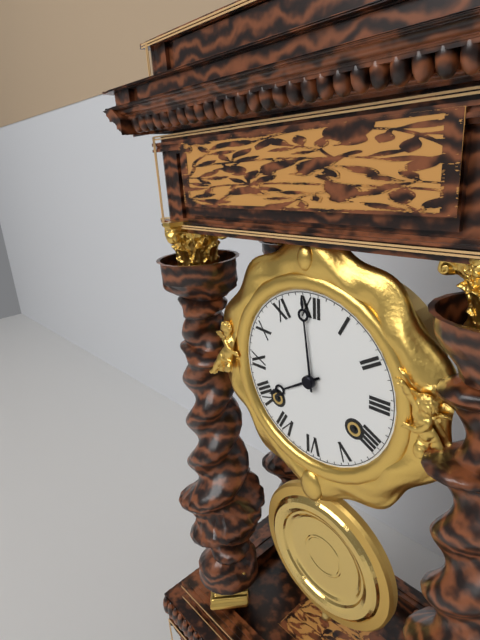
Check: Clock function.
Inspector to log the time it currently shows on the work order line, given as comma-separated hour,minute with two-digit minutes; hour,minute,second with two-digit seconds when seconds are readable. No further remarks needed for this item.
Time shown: 7,59
